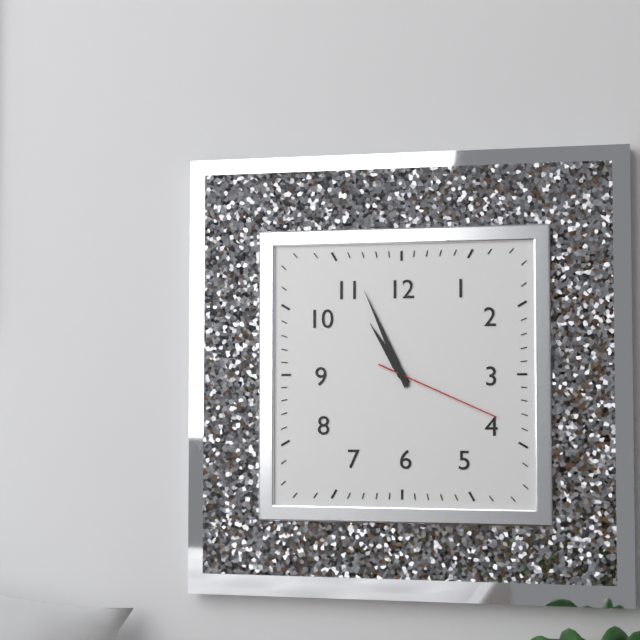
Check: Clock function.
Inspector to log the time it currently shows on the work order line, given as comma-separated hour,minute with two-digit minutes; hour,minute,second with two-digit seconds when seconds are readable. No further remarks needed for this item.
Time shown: 10,56,19
